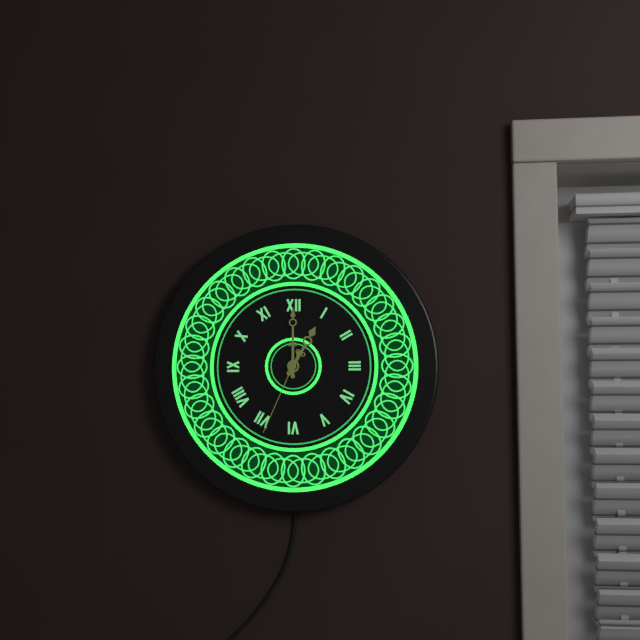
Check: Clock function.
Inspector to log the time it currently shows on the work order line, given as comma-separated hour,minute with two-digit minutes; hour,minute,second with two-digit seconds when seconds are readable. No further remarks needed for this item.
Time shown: 1,00,34
